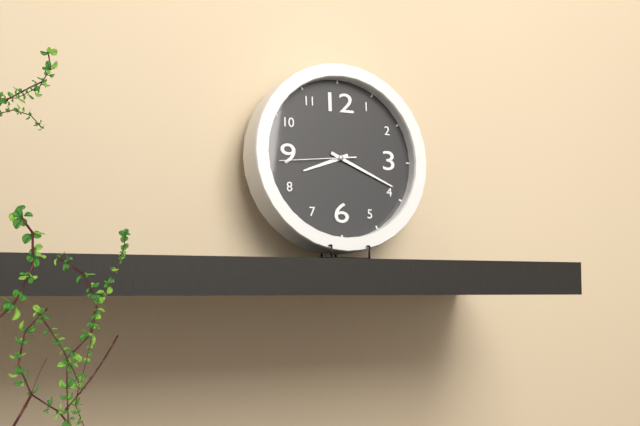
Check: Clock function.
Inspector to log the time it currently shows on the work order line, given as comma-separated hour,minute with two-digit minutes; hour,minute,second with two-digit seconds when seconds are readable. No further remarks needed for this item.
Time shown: 8,19,44
